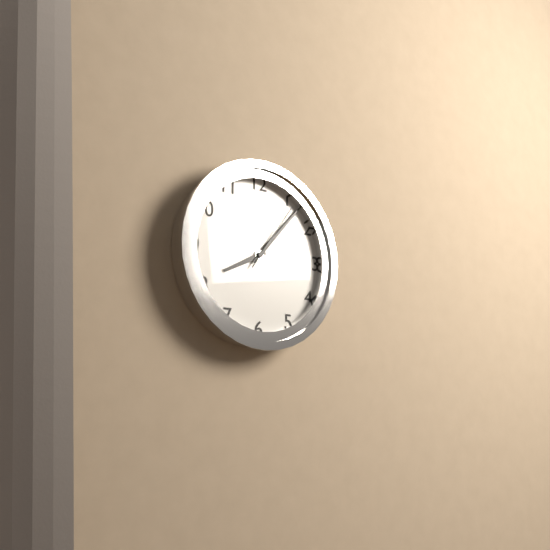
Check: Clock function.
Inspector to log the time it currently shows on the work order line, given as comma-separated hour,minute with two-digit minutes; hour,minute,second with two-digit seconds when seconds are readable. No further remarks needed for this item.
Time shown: 8,07,06
